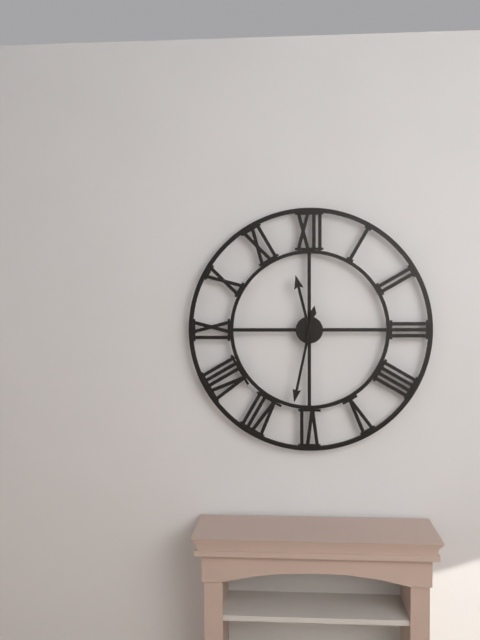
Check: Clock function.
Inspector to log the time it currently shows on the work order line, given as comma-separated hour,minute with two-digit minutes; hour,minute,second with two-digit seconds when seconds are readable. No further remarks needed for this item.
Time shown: 11,32
